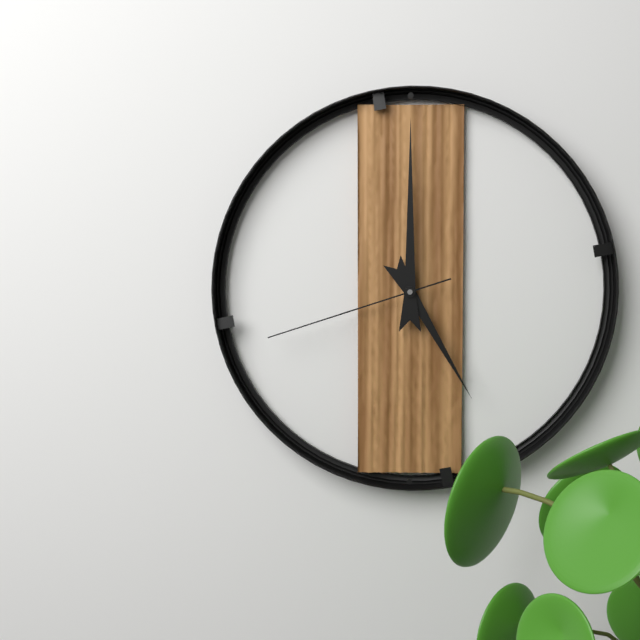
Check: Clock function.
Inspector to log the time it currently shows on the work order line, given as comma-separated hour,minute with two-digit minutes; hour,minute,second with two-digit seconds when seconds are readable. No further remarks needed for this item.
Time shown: 5,00,42
